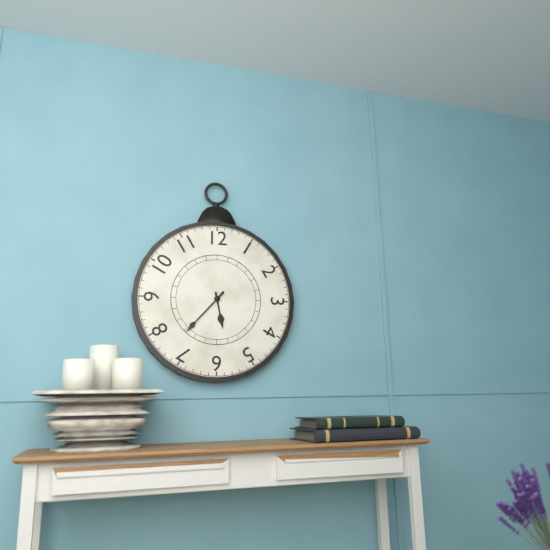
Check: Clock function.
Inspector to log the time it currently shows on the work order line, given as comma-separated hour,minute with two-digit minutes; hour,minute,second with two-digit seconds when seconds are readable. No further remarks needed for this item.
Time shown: 5,37
